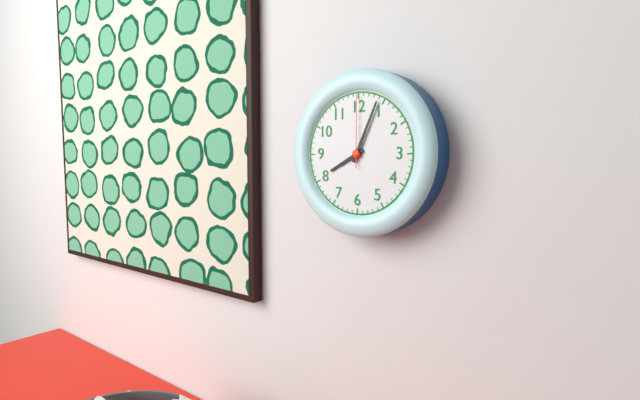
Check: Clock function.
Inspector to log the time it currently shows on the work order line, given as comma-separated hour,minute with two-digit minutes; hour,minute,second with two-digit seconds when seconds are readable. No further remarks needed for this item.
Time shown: 8,04,00
